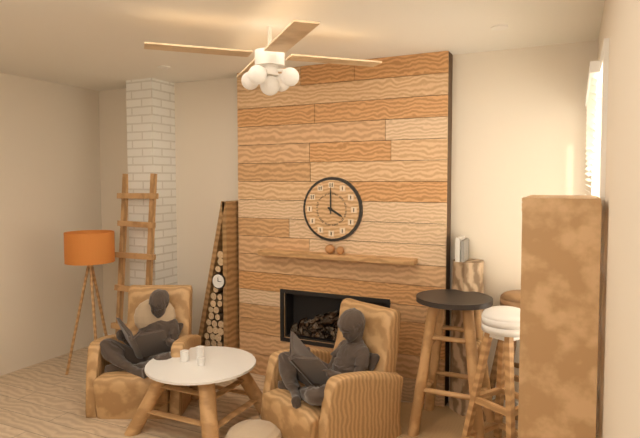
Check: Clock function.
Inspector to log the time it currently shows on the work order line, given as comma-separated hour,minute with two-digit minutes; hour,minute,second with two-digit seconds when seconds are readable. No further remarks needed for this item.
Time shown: 4,00
